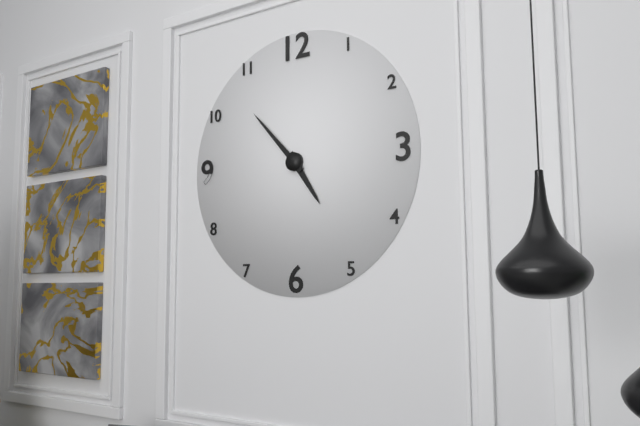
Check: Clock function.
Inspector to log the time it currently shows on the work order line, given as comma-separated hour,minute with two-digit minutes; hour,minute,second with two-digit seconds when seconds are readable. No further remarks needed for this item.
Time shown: 4,53
